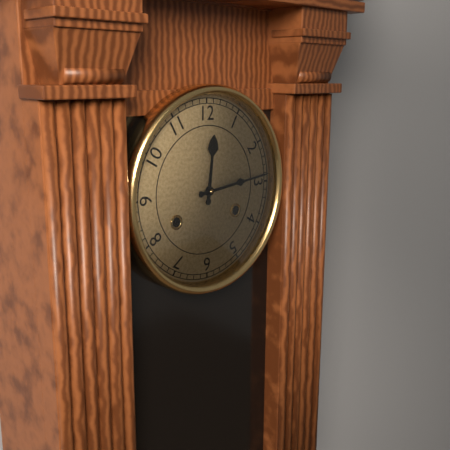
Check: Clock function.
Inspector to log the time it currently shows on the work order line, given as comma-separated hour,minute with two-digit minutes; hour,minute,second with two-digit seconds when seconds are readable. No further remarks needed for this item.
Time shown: 12,14
